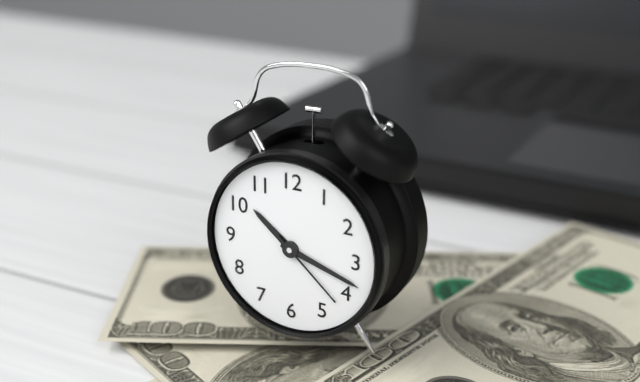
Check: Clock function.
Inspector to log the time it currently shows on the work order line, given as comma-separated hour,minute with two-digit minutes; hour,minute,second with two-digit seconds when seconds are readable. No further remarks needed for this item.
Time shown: 10,18,22
